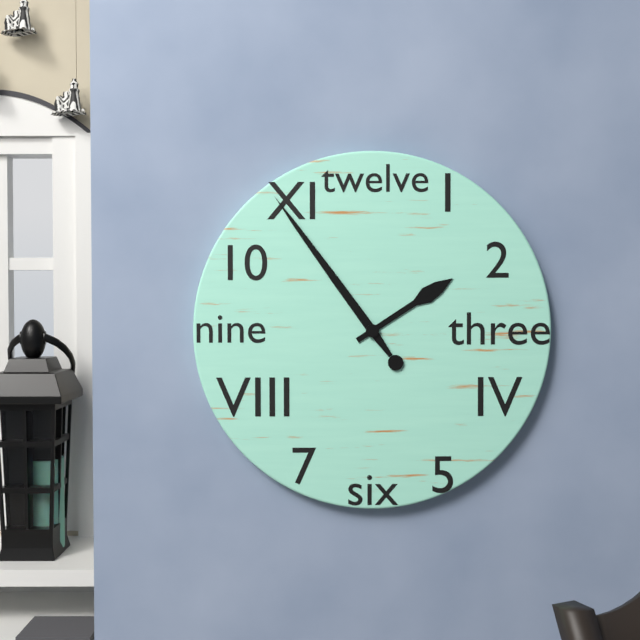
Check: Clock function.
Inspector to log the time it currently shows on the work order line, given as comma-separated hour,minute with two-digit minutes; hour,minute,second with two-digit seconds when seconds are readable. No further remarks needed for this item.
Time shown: 1,54
